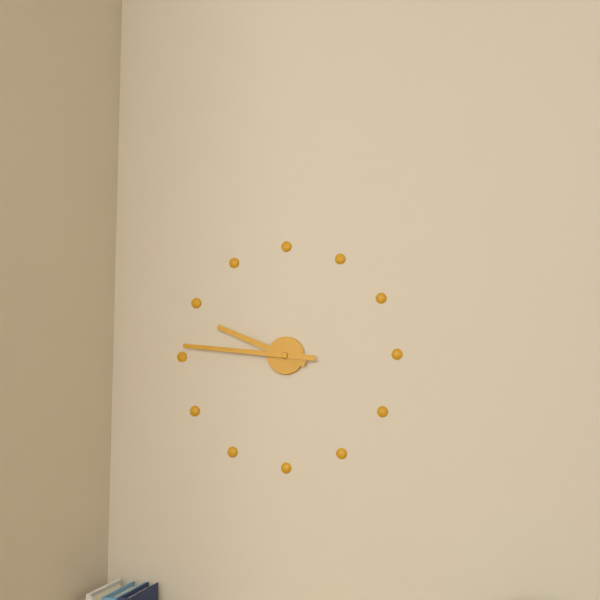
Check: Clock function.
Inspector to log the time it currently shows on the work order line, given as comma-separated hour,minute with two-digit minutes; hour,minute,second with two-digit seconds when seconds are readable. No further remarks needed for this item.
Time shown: 9,46
